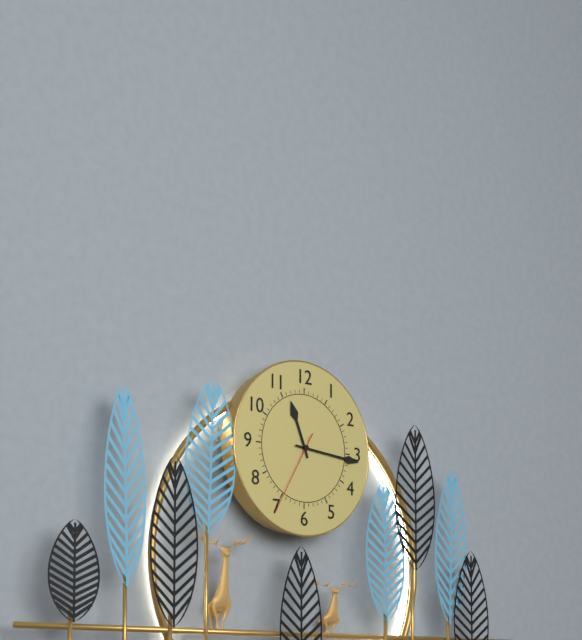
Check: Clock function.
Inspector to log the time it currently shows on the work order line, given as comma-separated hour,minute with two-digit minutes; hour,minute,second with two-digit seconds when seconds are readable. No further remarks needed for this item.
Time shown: 11,16,35
